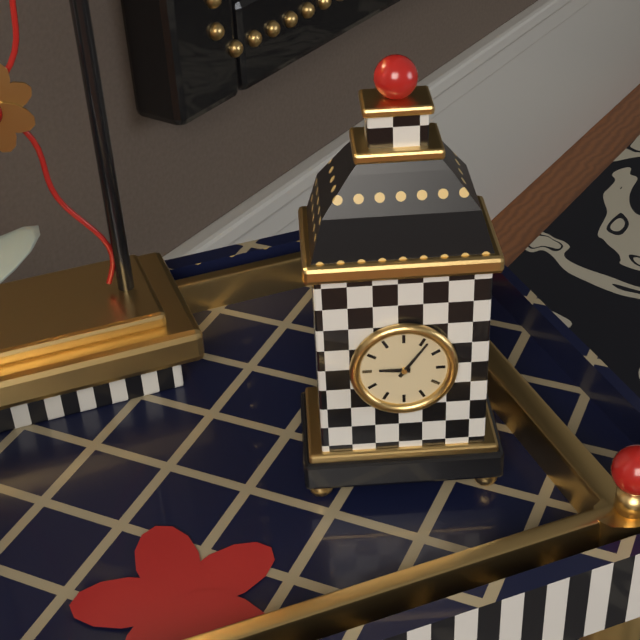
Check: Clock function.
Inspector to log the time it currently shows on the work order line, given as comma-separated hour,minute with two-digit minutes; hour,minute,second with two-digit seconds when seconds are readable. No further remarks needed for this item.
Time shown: 9,06
